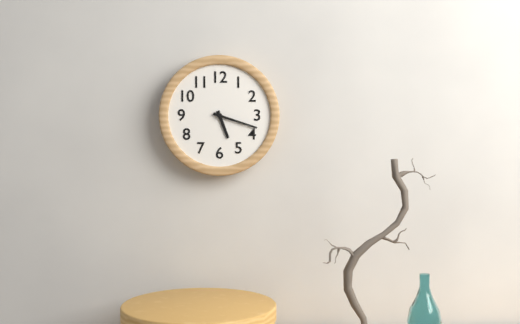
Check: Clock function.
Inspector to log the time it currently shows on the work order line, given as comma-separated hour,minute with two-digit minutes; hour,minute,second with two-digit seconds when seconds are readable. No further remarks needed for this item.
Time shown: 5,18
